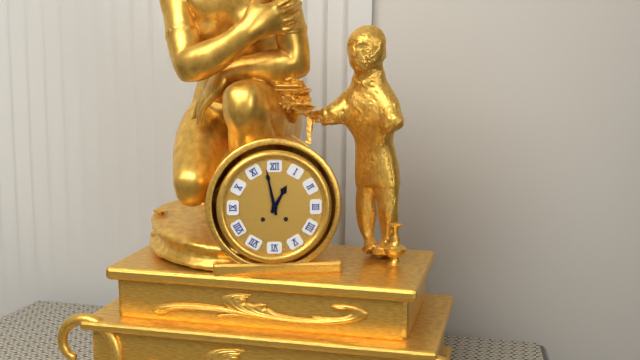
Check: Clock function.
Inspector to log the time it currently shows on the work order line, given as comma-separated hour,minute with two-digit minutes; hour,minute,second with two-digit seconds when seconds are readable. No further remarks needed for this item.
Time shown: 12,58
